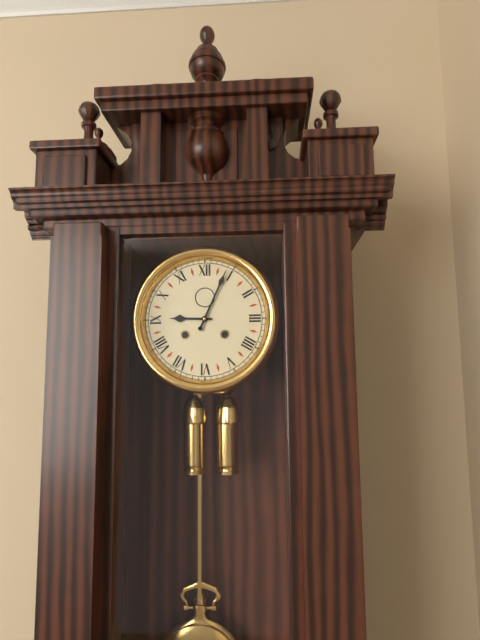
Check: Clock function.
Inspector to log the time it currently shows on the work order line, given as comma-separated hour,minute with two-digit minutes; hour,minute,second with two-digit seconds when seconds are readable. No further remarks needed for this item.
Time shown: 9,04
